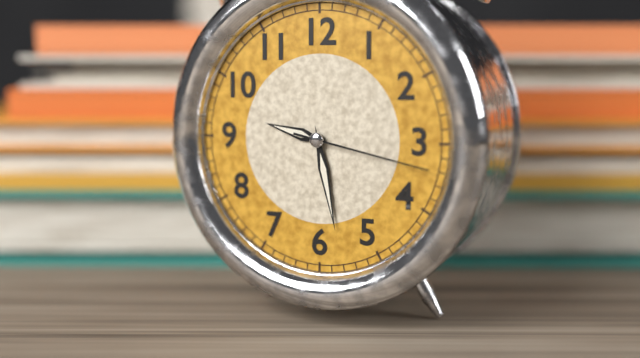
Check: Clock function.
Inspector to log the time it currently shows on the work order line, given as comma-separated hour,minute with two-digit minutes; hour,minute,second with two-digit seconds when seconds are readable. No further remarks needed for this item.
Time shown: 9,28,17
